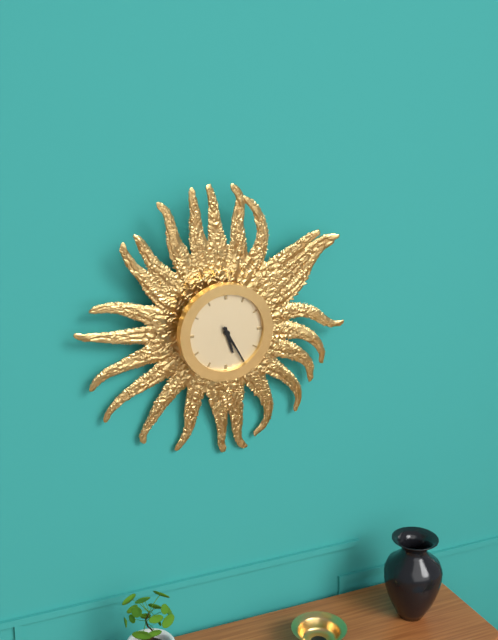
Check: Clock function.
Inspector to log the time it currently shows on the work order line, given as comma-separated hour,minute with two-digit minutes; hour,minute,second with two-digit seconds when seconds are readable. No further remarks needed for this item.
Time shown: 5,25
